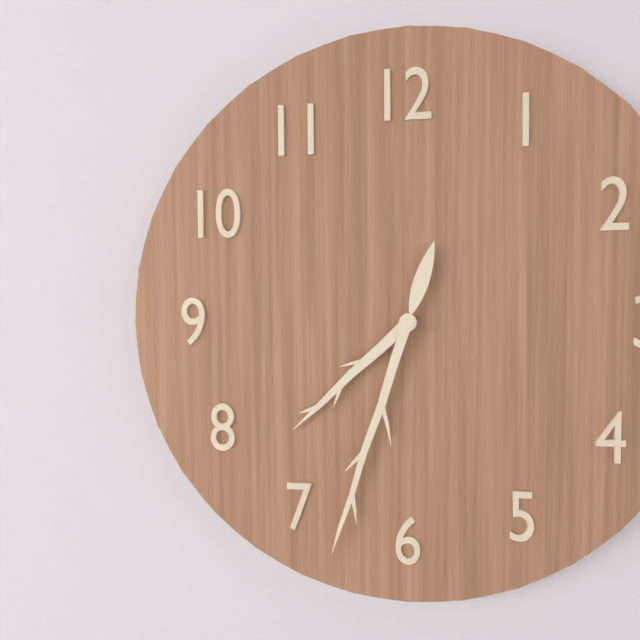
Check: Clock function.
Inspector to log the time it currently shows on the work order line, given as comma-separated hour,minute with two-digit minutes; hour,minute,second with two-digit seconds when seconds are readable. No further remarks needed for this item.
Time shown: 7,33
